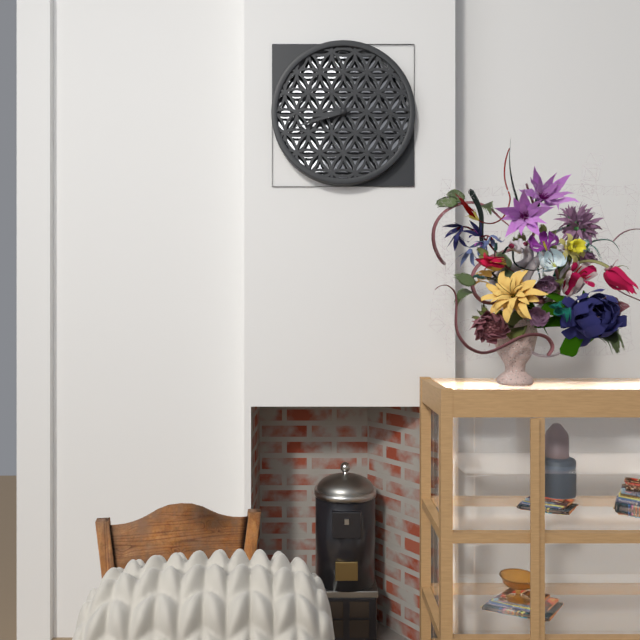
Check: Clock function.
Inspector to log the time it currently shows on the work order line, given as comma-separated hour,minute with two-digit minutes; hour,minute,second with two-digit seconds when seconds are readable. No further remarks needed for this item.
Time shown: 8,42
